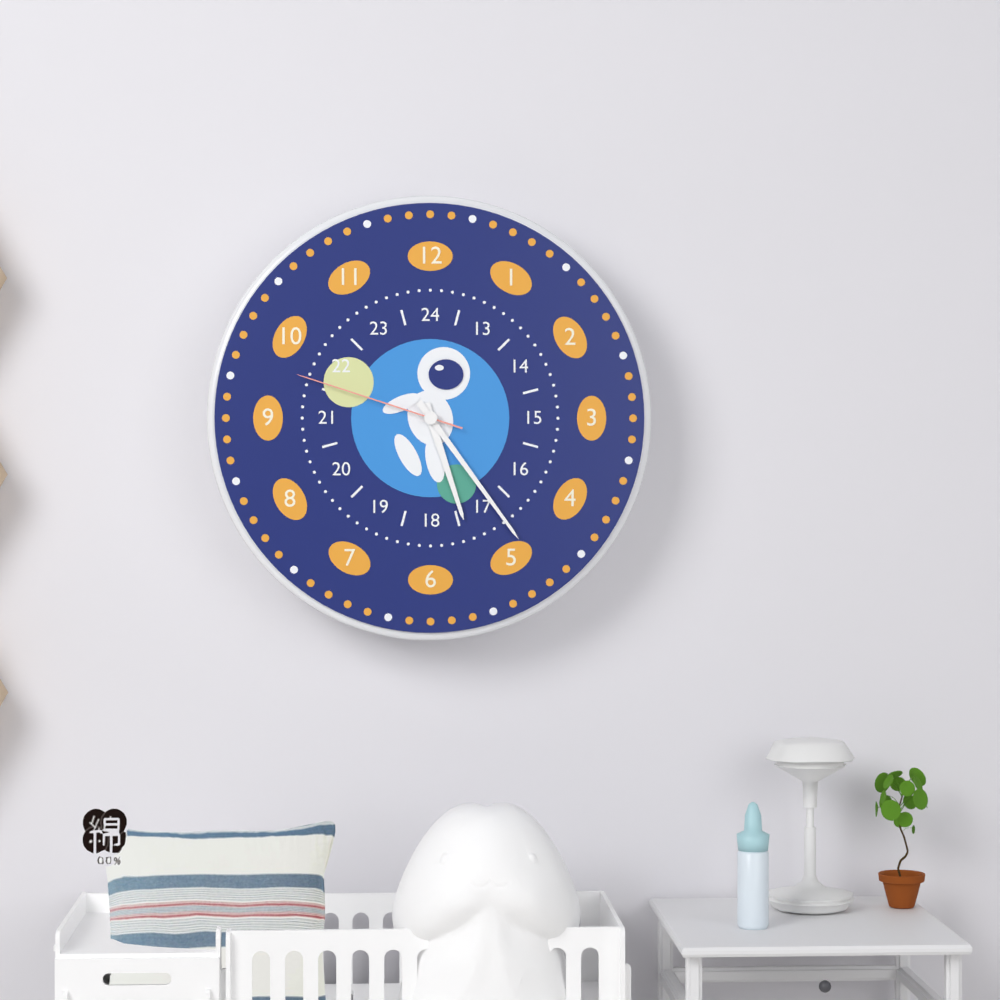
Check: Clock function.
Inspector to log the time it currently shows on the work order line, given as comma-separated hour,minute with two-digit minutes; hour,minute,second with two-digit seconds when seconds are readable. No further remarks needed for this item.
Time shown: 5,24,48
